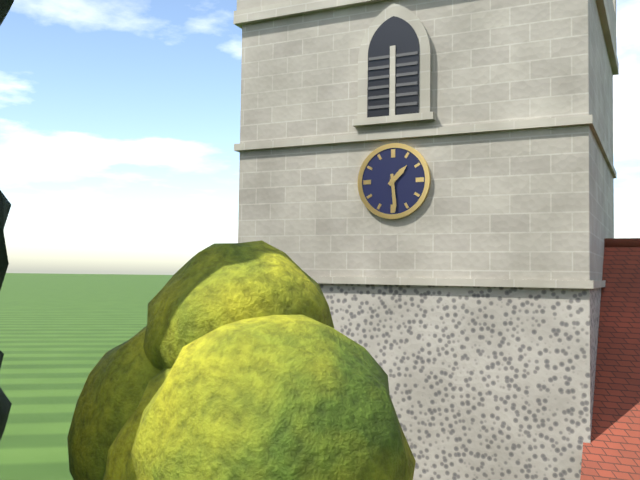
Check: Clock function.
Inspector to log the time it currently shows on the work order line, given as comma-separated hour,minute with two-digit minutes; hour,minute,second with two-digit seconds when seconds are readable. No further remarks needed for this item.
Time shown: 1,29
